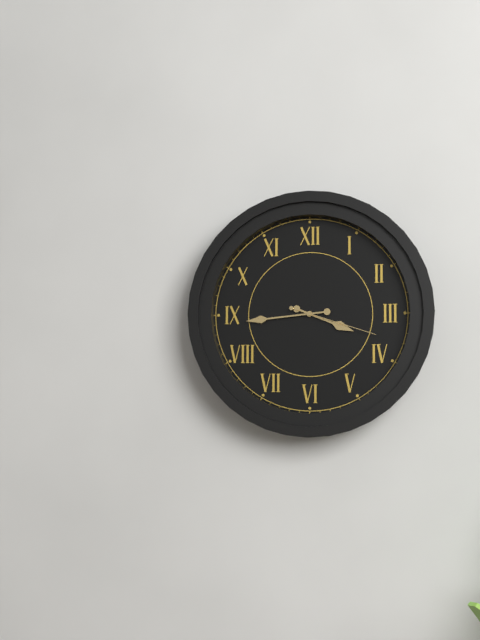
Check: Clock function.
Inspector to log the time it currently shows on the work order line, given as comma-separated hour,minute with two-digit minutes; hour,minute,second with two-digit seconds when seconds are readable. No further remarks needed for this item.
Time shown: 3,44,18
